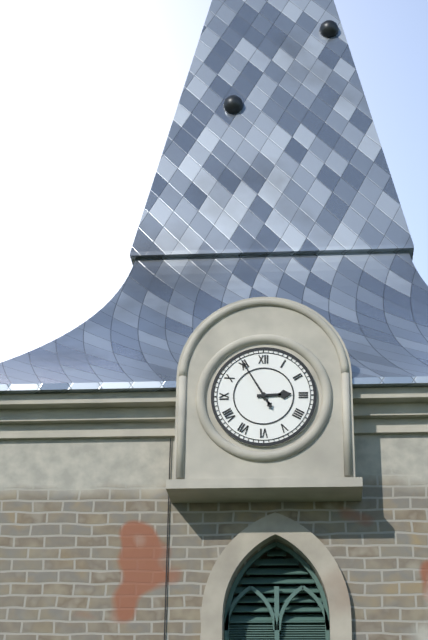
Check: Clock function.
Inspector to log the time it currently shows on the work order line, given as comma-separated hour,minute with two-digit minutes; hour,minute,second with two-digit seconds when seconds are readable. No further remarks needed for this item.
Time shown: 2,55
